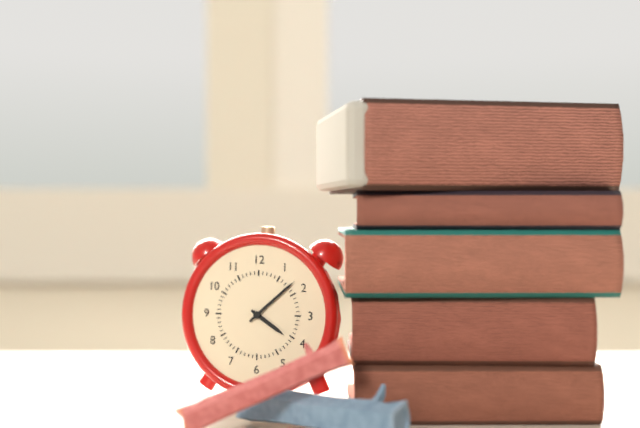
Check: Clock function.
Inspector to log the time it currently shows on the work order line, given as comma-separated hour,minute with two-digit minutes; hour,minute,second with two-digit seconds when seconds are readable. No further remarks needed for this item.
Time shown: 4,08
